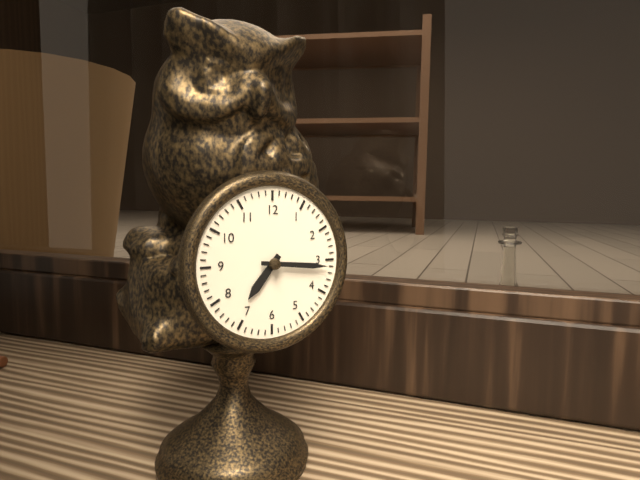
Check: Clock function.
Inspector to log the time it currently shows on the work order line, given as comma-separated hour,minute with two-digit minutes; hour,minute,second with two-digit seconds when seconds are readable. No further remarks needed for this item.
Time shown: 7,16
